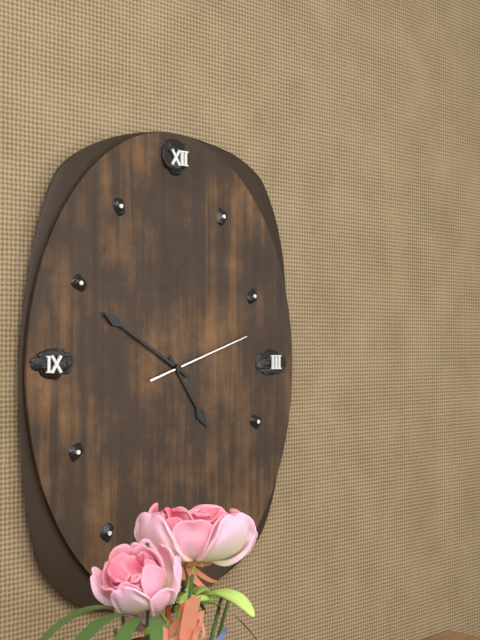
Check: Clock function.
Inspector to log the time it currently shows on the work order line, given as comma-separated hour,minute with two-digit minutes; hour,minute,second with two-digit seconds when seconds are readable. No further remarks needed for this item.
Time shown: 4,50,12
